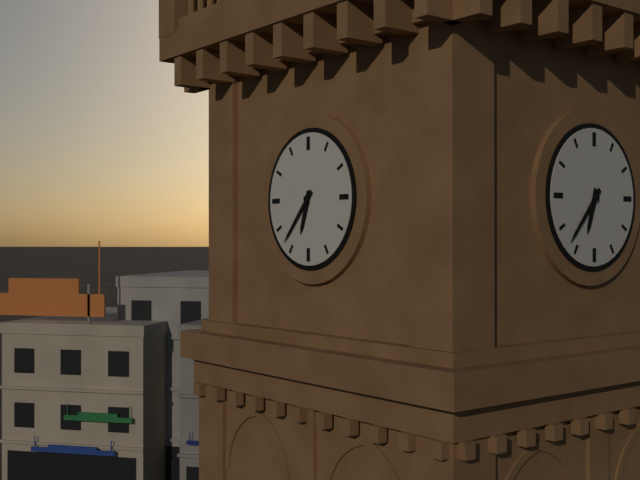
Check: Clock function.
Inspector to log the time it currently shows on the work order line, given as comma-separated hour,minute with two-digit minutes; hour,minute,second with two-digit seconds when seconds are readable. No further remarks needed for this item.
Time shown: 6,37
